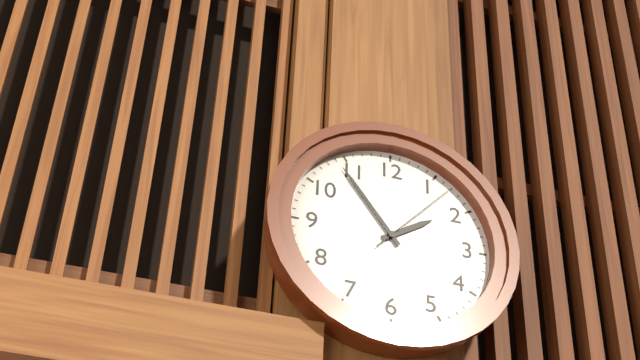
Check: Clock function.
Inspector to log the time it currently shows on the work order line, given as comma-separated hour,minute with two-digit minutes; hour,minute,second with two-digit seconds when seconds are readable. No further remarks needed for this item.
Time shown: 1,54,07
